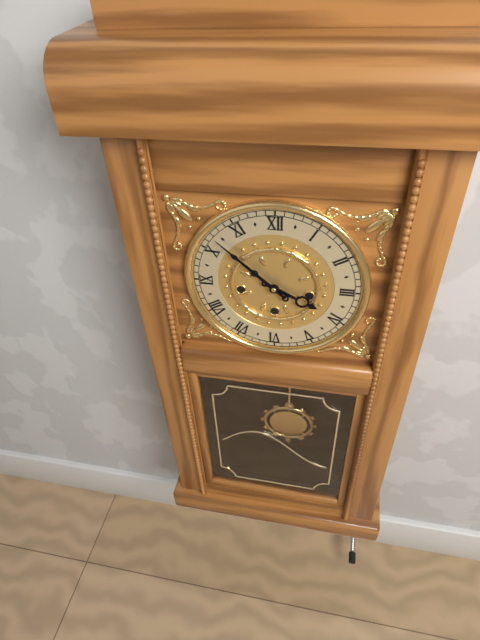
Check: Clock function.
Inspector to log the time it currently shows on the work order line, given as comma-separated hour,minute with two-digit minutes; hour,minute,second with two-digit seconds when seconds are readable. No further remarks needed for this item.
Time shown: 3,52
